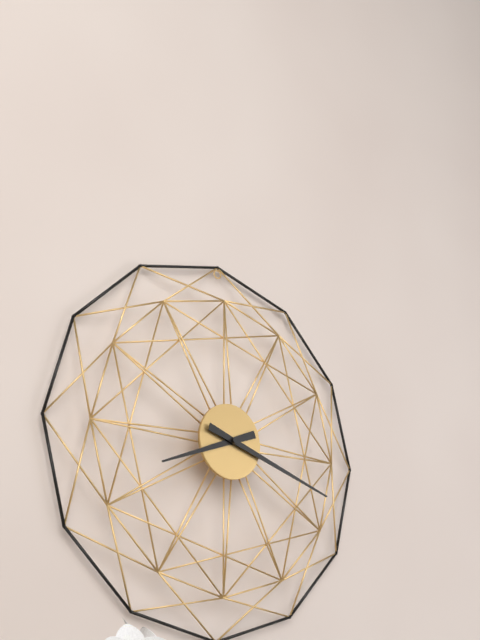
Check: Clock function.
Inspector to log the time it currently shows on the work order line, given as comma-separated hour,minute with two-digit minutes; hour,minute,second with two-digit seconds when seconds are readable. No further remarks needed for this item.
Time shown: 8,18
